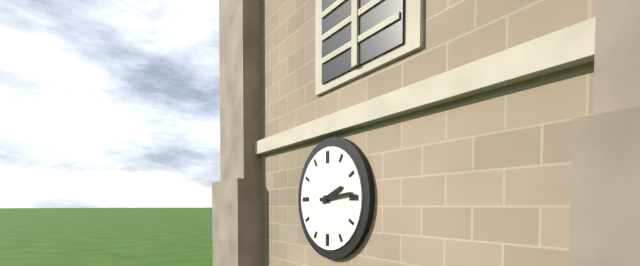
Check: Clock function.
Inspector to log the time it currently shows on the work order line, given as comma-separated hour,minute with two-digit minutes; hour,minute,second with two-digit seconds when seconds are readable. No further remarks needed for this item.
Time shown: 2,14
